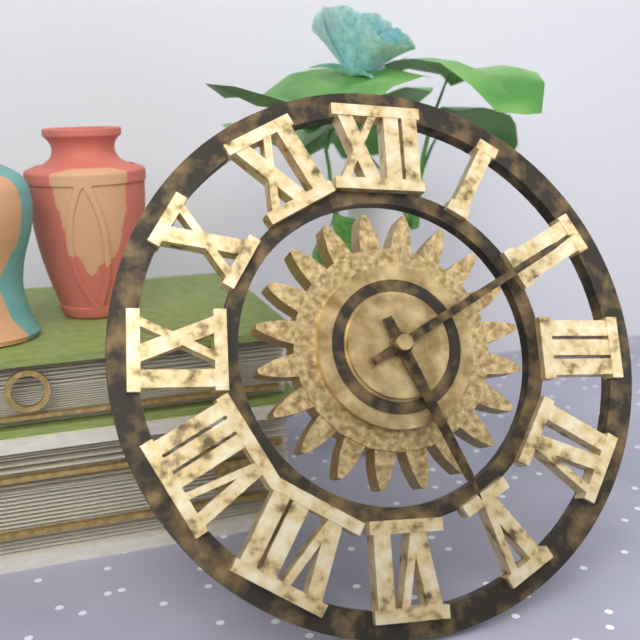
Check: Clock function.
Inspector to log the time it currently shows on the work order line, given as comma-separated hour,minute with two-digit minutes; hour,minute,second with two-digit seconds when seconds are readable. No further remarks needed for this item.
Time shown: 5,10
